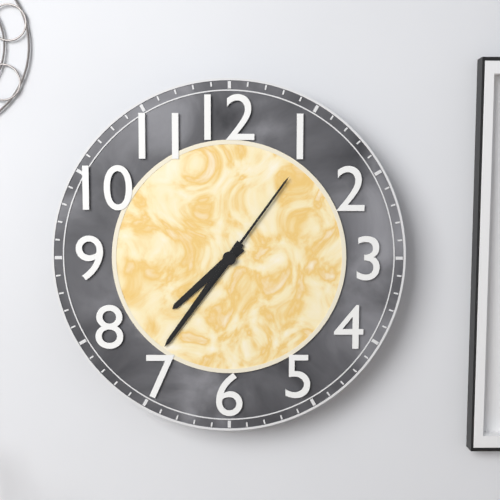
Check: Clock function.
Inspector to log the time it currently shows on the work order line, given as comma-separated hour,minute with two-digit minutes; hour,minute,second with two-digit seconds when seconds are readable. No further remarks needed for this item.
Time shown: 7,36,06
